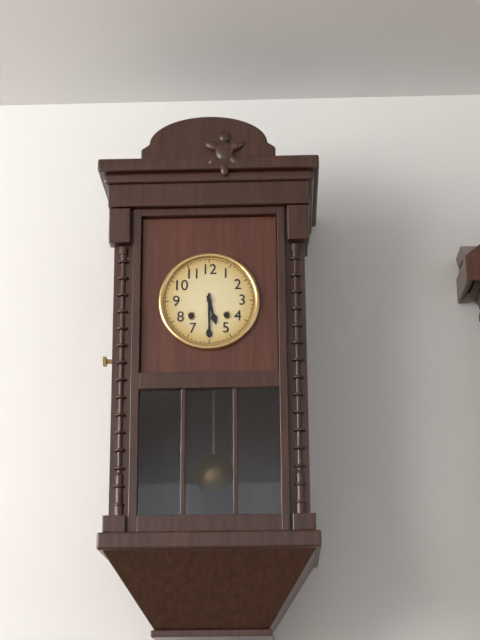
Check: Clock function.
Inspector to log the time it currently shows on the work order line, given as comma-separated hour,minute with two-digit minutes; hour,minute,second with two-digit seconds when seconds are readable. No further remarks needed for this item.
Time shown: 5,30
